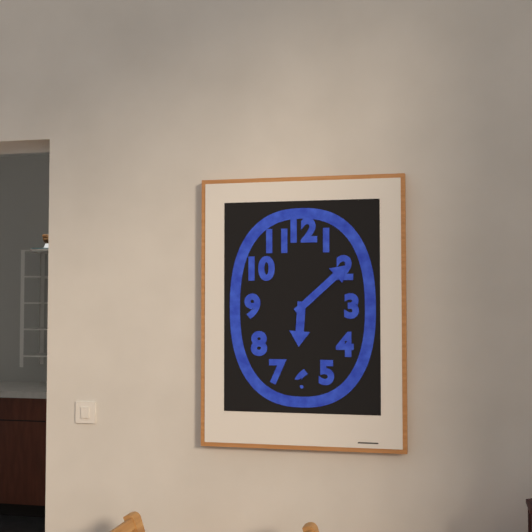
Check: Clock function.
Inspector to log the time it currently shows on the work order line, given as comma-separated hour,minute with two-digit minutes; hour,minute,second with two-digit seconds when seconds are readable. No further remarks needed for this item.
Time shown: 6,08
